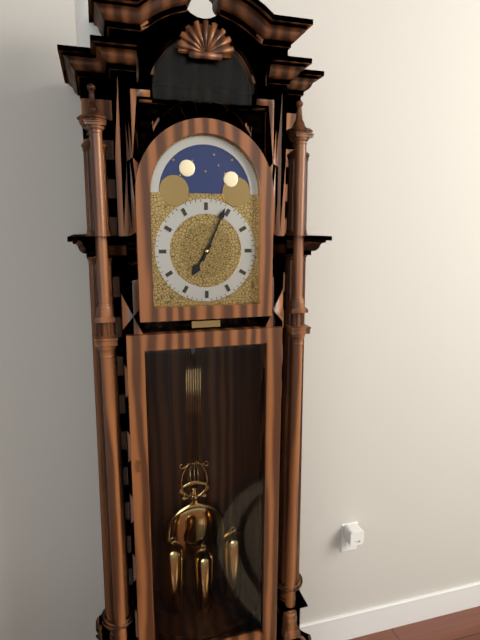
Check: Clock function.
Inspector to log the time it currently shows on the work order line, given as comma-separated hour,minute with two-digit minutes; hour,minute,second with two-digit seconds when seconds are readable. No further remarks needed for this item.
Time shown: 7,04
